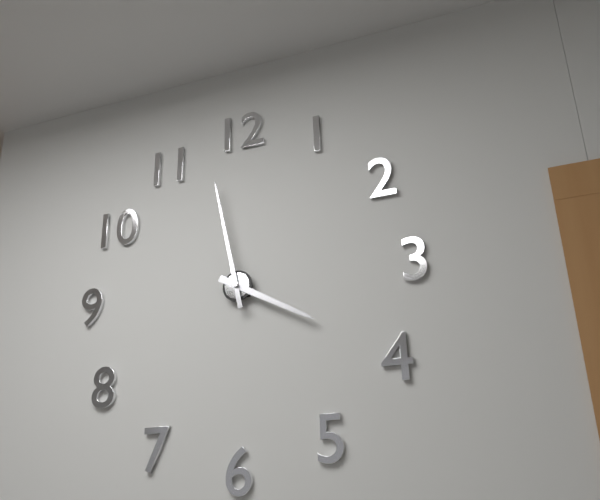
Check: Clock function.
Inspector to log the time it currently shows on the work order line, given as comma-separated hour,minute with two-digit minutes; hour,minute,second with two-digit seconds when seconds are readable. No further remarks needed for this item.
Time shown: 3,58
